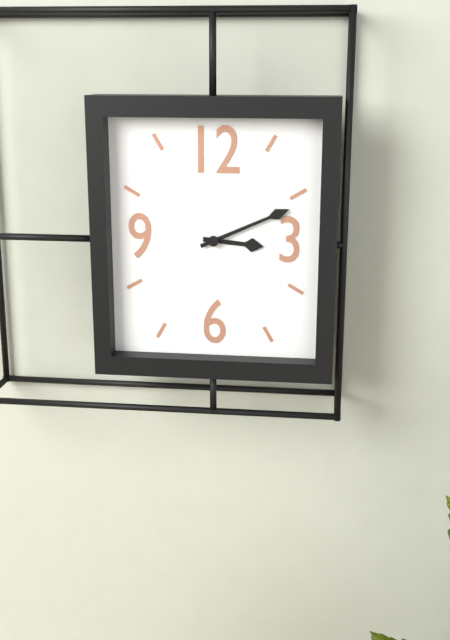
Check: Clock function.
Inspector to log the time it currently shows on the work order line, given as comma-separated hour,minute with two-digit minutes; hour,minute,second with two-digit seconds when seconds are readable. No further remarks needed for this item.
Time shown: 3,11
